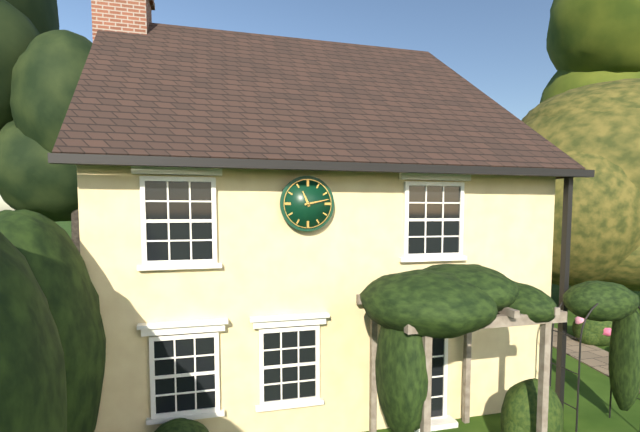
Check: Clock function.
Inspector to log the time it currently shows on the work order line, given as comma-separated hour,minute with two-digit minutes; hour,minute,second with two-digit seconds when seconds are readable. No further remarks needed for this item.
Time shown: 11,13
